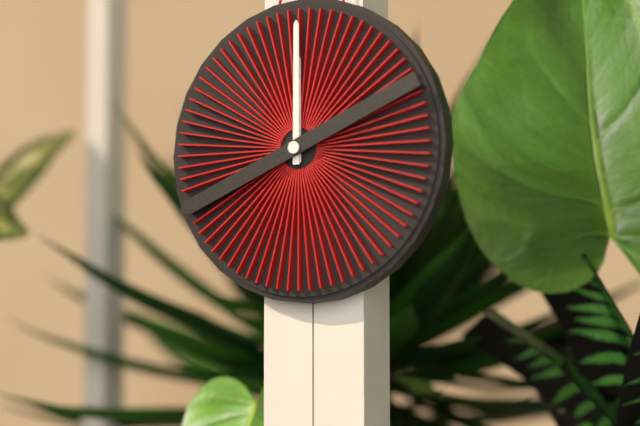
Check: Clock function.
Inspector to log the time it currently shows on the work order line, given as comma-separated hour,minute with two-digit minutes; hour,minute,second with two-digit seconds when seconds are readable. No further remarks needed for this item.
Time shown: 12,00,41
